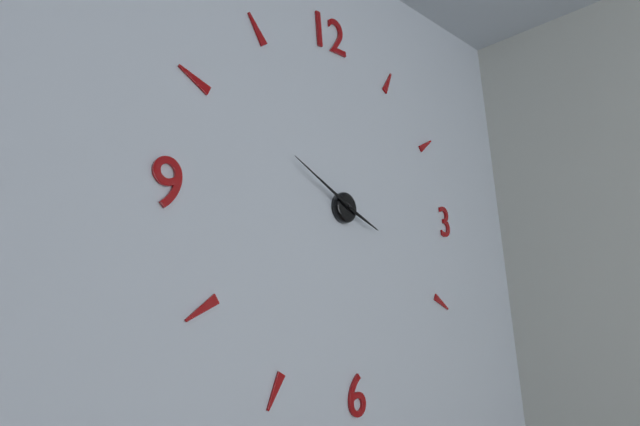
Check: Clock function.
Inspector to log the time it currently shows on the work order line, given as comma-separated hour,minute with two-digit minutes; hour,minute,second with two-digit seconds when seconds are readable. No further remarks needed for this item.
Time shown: 3,50
